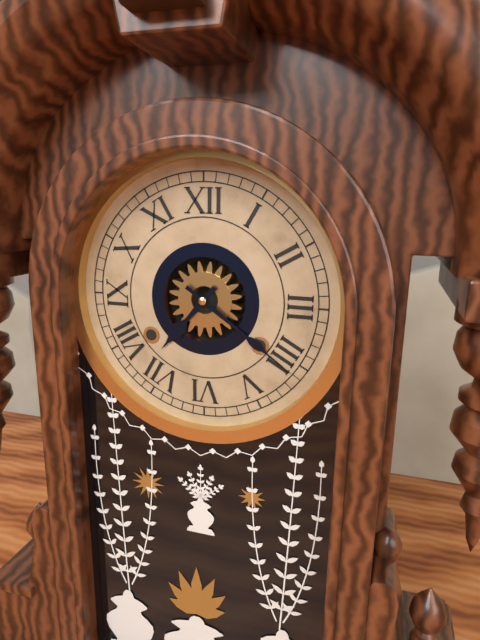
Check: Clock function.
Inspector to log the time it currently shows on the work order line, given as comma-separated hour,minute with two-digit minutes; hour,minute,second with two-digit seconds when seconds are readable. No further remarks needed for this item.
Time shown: 7,21
